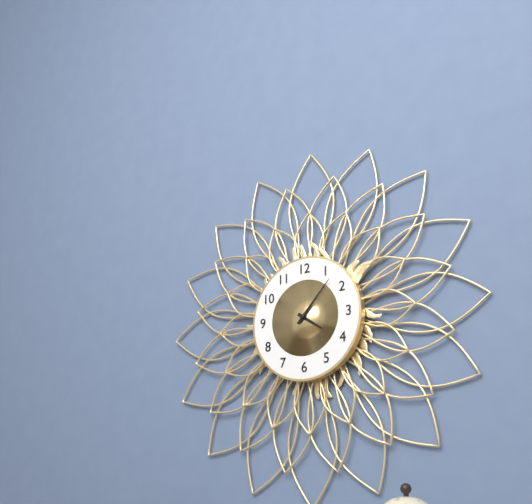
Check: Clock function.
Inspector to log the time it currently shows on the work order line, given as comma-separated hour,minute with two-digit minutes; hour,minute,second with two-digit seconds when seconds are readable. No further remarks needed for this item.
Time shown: 4,07
